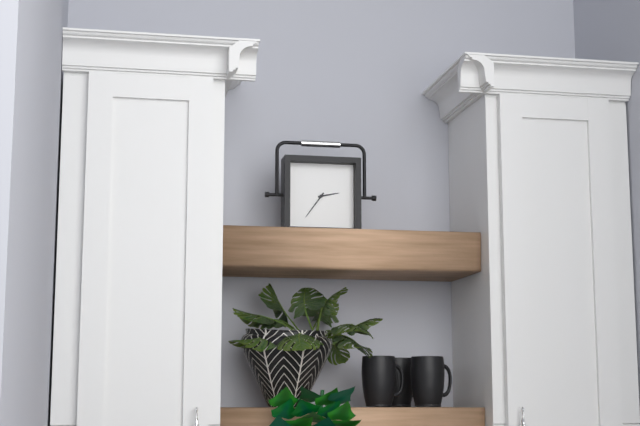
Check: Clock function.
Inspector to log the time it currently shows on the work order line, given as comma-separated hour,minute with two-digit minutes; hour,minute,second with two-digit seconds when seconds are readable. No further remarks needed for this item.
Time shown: 2,36
